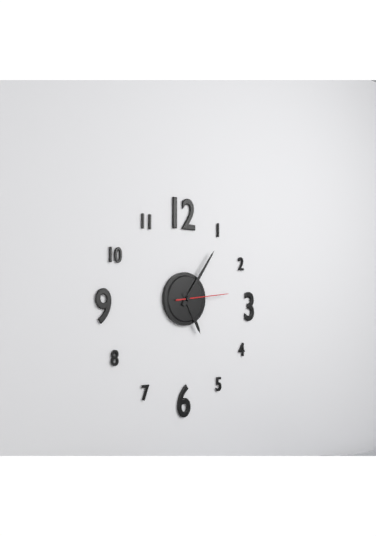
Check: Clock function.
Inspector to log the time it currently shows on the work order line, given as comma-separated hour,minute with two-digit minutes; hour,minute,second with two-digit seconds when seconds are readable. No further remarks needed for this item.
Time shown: 5,06,14
